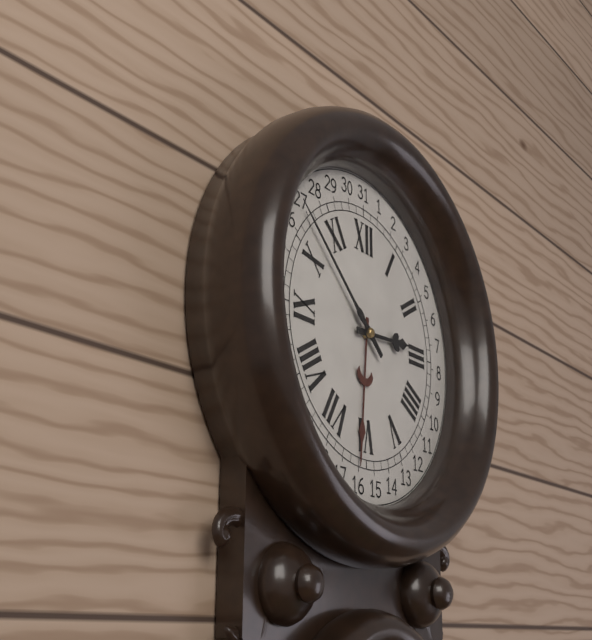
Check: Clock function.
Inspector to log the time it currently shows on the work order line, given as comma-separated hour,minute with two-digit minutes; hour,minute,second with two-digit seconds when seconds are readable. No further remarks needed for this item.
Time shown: 2,52
